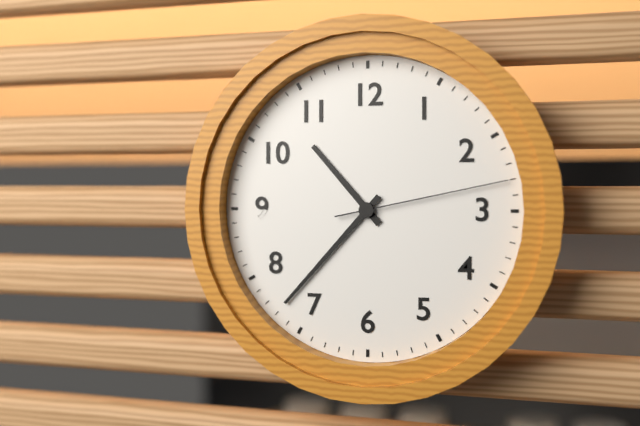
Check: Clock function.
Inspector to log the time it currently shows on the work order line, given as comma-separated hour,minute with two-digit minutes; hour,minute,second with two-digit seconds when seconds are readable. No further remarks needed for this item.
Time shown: 10,37,13
